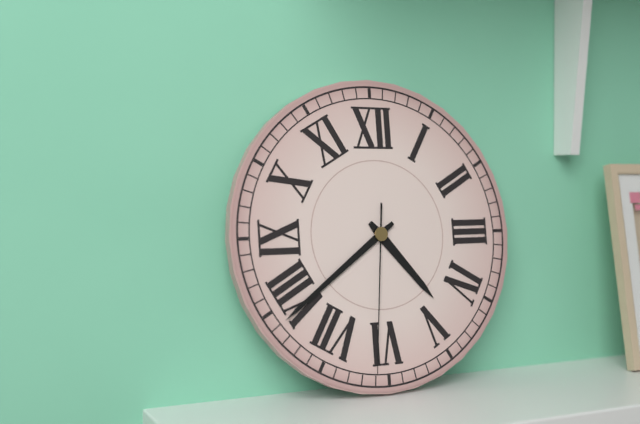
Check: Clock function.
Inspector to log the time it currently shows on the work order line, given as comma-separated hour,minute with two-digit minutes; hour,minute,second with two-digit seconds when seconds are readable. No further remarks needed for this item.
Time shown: 4,39,31
